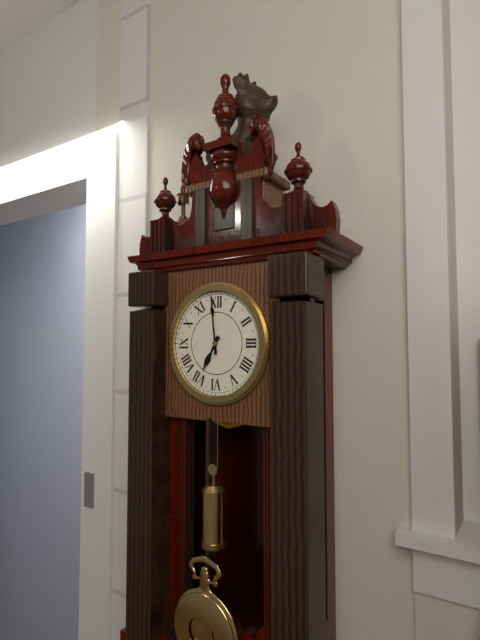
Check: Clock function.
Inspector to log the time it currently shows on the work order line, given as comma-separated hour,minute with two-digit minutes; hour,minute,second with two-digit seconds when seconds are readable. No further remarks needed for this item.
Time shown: 6,59
